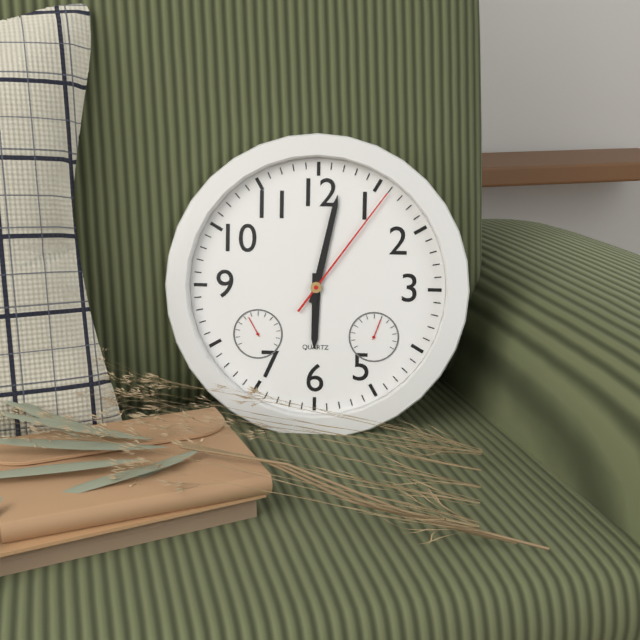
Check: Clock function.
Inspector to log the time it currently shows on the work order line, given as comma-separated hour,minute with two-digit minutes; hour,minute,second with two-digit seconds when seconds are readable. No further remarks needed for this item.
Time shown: 6,02,06
